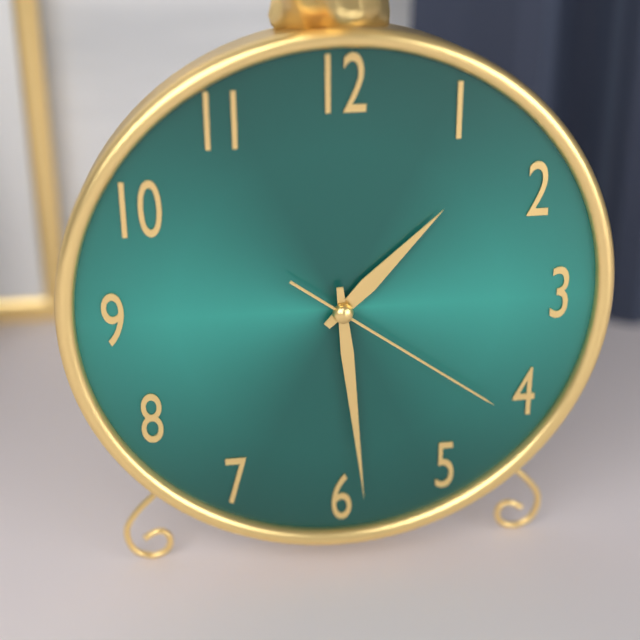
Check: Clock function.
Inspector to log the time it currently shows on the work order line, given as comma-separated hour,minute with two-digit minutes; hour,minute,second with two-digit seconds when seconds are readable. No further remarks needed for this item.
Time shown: 1,29,21
